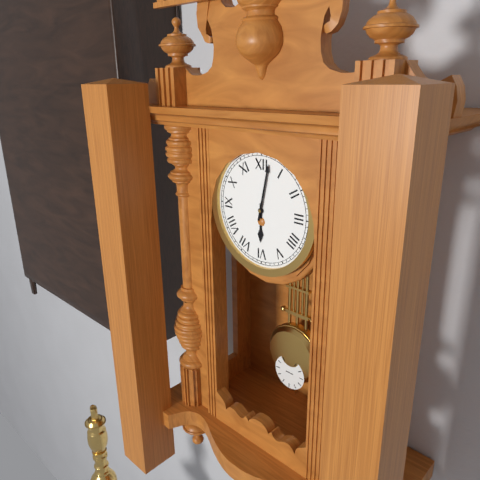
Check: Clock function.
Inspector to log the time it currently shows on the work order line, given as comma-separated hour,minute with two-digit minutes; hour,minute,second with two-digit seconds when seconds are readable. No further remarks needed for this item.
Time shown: 6,02
